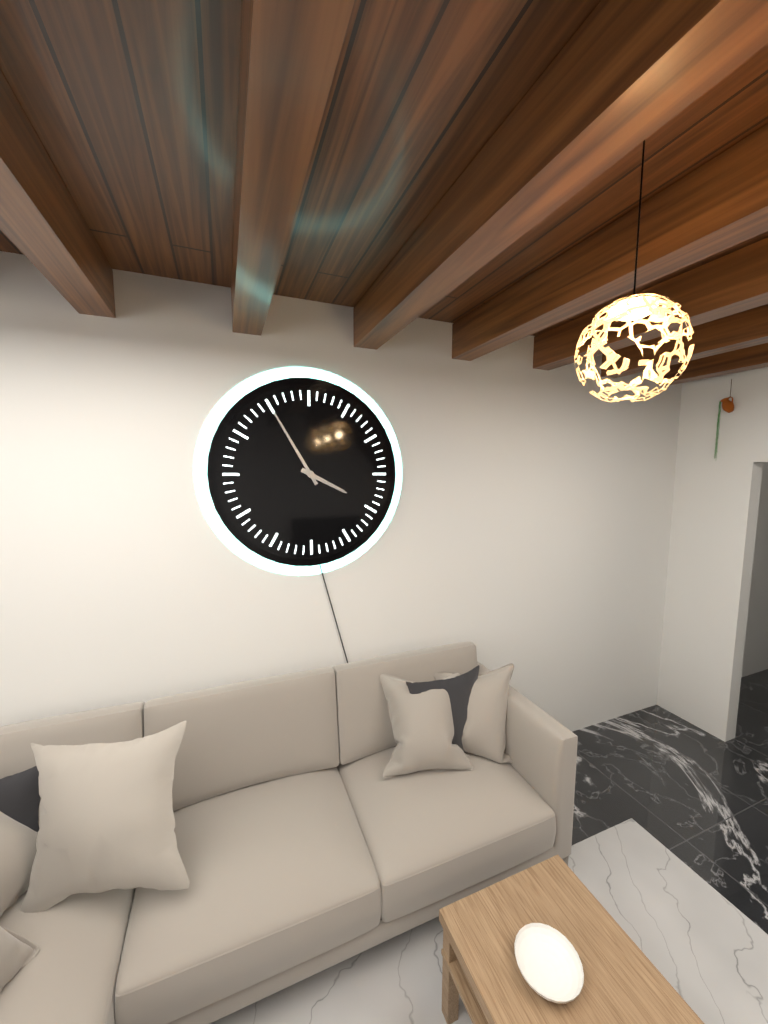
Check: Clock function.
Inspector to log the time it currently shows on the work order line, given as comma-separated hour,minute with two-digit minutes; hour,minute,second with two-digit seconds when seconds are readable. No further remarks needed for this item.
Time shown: 3,55
